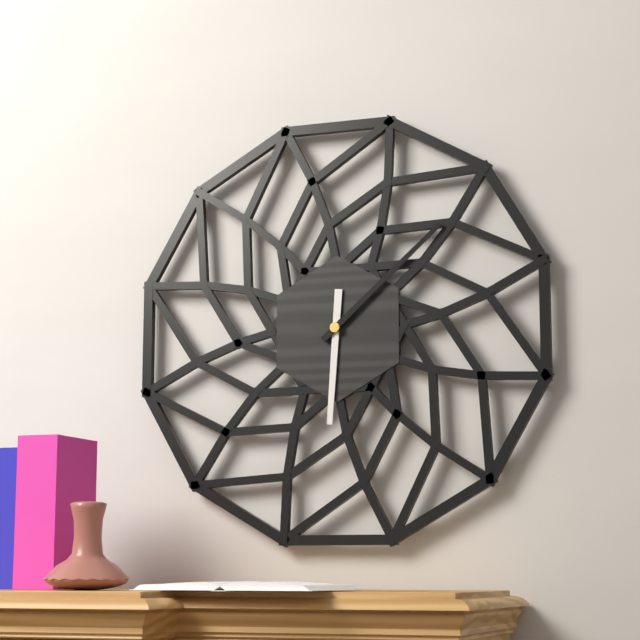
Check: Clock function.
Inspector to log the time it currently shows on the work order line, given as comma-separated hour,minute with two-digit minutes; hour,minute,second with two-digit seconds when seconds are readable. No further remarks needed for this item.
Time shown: 6,08
